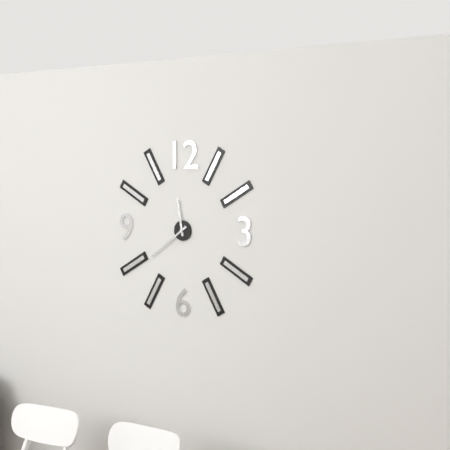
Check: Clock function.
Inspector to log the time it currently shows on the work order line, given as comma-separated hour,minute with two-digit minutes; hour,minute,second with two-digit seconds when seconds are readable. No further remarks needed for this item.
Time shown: 11,39
